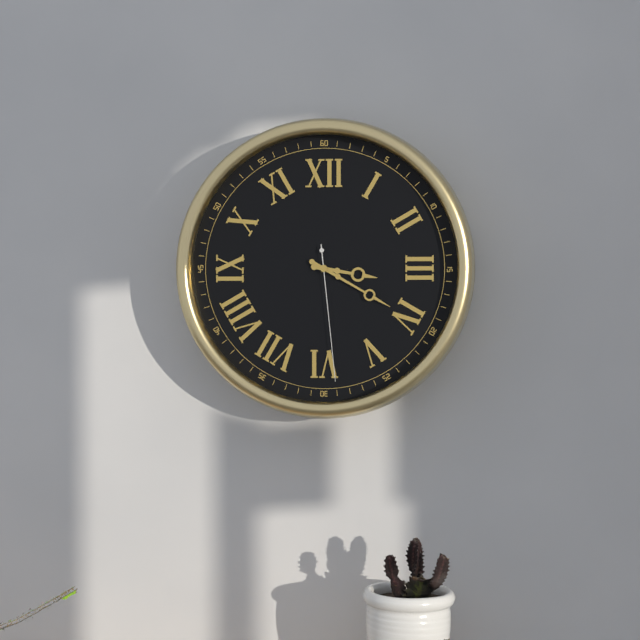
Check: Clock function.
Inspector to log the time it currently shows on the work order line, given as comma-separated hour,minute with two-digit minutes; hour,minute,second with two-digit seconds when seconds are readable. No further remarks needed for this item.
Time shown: 3,20,29
